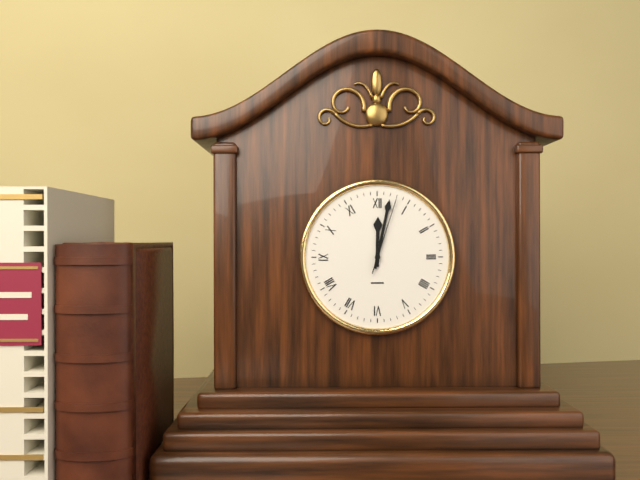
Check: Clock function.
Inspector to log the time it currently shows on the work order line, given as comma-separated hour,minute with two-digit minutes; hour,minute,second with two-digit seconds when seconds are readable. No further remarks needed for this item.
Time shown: 12,02,03
